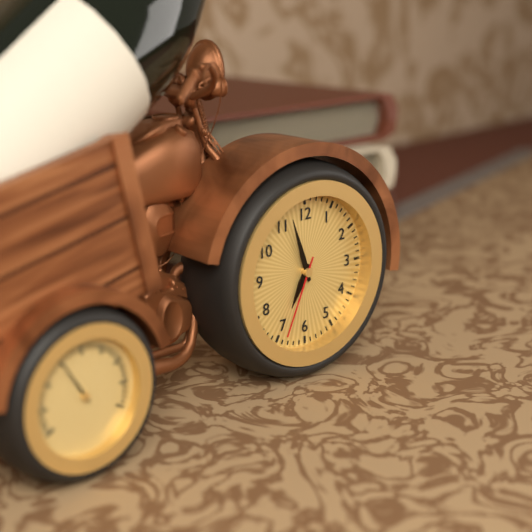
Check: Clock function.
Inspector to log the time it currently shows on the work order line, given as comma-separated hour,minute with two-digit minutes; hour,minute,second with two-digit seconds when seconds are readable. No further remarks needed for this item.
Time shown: 6,57,34
